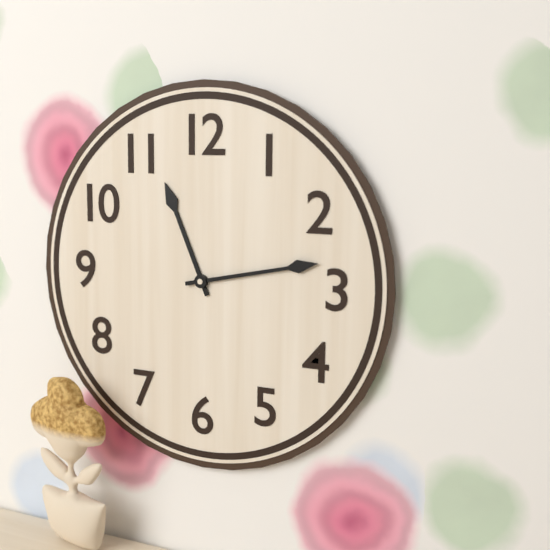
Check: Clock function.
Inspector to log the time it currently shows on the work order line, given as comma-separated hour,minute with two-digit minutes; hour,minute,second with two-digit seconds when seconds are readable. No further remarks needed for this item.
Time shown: 11,13
